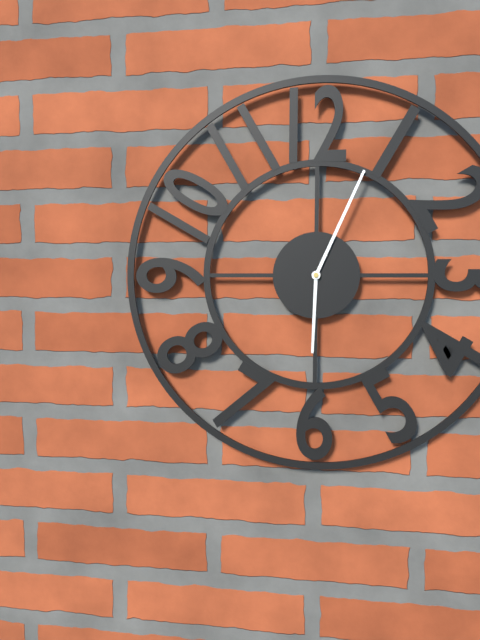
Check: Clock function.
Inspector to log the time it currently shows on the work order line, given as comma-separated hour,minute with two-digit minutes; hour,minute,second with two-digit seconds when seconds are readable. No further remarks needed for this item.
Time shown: 6,04
